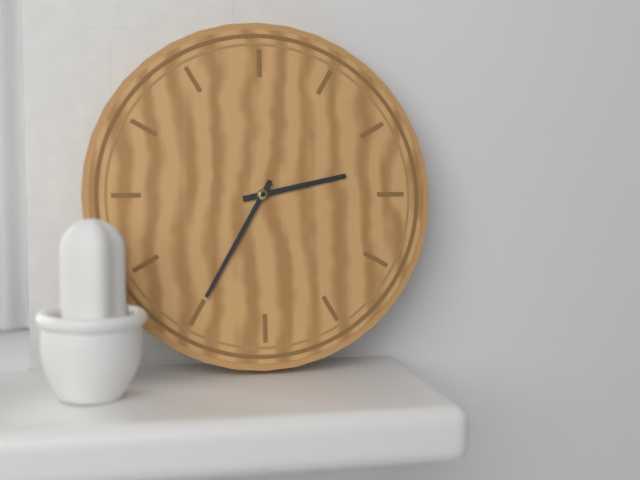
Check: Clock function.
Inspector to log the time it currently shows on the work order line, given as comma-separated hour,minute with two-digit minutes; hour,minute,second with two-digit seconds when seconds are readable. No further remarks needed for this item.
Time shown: 2,35
